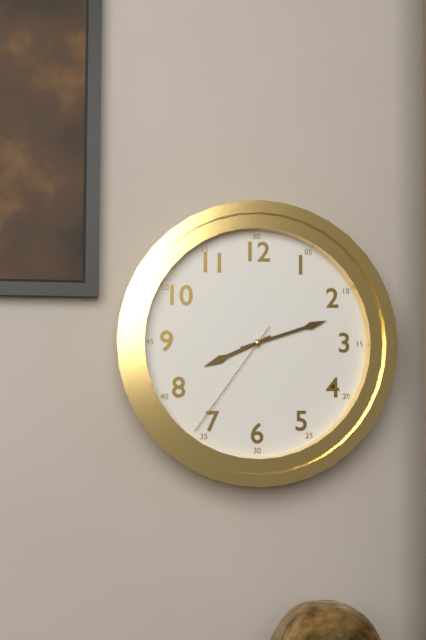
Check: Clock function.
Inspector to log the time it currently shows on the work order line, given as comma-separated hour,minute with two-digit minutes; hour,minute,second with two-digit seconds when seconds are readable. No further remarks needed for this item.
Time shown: 8,12,36
